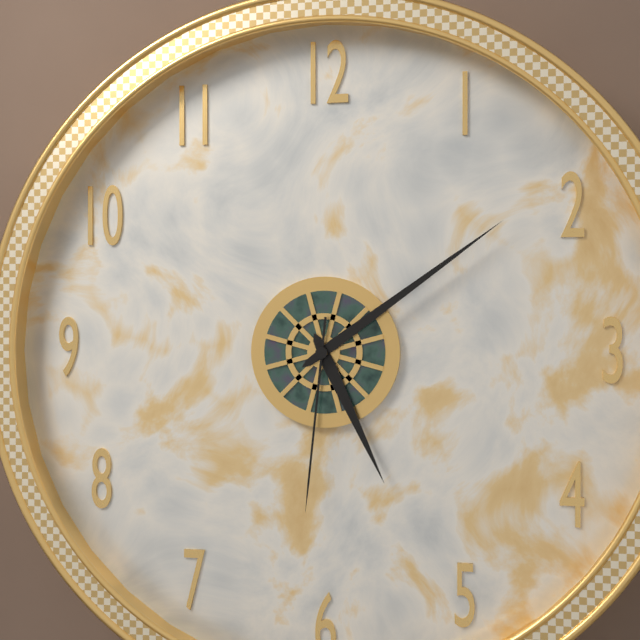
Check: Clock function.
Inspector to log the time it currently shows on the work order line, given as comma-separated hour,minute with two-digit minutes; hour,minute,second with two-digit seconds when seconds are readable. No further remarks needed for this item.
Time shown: 5,09,31
